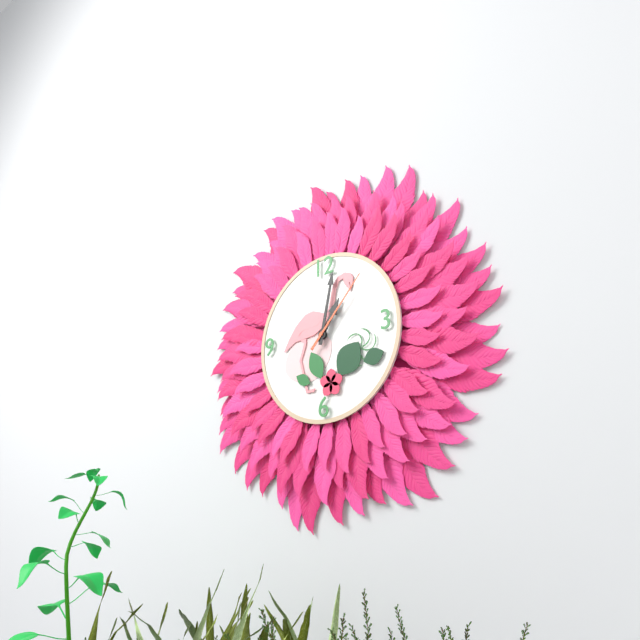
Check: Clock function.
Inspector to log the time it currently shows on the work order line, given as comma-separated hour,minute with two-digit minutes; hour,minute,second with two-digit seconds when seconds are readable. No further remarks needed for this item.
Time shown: 1,02,07
